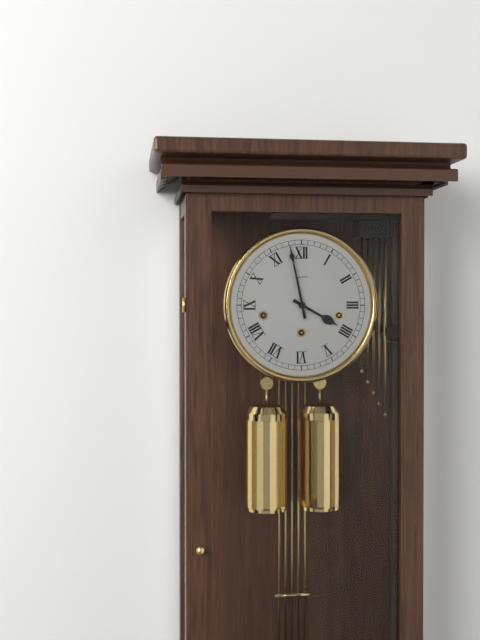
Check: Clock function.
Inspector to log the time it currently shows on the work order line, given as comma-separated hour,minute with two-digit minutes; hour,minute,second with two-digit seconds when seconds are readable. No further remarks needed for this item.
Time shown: 3,58
